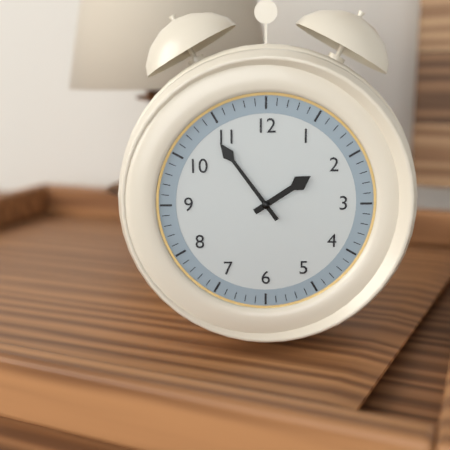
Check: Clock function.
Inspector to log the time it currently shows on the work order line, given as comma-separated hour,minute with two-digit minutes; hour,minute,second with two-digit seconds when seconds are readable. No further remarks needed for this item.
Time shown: 1,54
